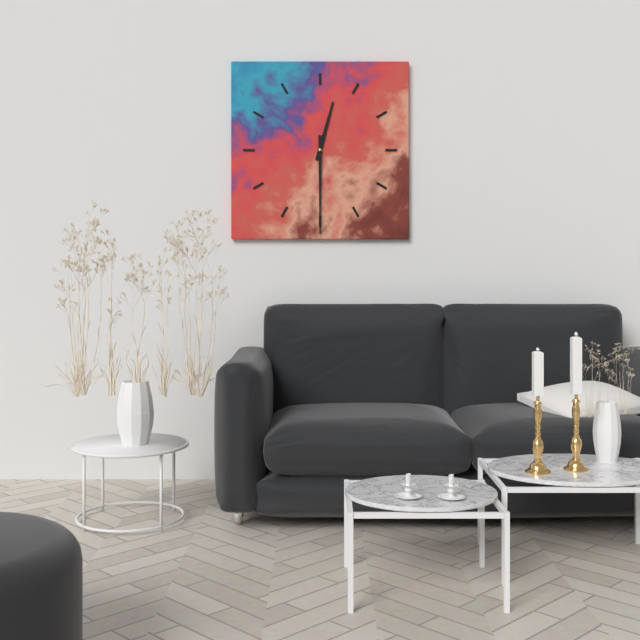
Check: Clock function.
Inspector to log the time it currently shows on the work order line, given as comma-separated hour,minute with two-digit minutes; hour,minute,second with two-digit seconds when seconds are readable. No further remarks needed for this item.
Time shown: 12,30
